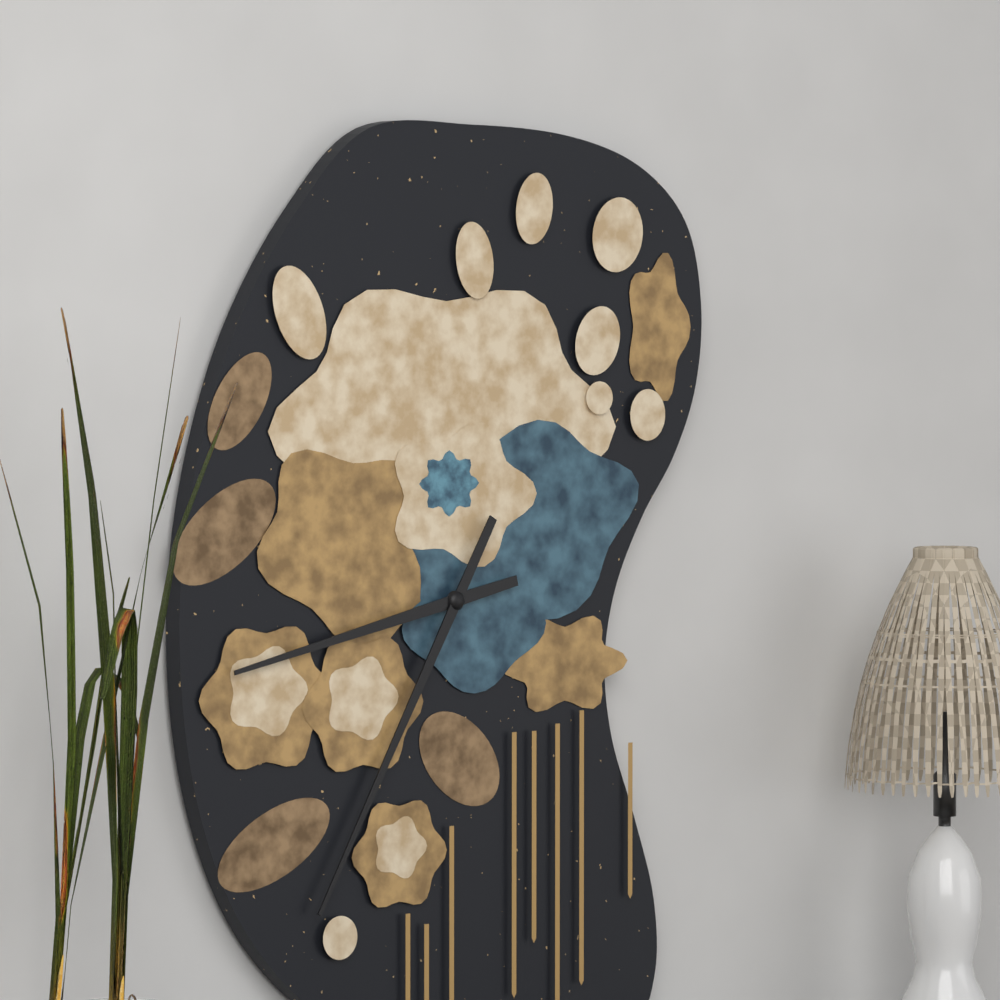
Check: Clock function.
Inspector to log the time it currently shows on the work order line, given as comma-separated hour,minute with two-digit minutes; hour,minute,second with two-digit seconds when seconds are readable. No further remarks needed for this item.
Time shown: 8,35
